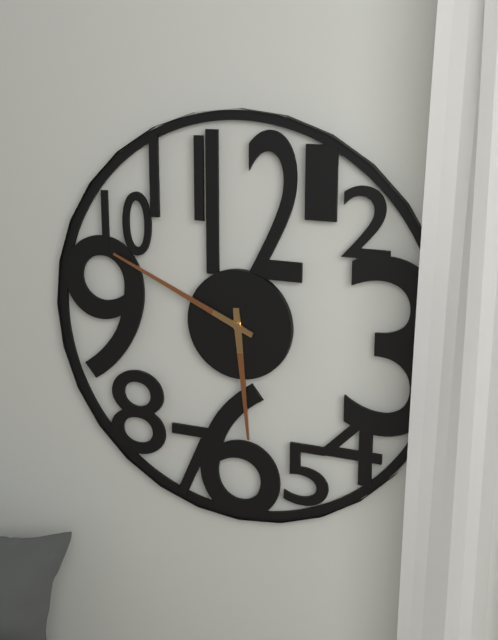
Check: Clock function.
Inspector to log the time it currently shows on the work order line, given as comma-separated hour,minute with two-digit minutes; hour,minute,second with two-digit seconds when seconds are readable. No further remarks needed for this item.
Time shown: 5,49
